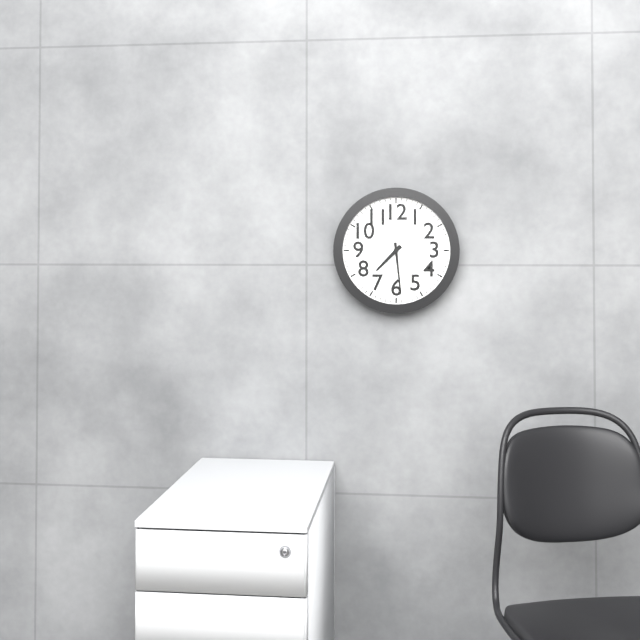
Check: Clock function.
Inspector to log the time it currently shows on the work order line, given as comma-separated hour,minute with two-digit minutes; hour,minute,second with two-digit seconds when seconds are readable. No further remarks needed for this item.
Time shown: 7,29
